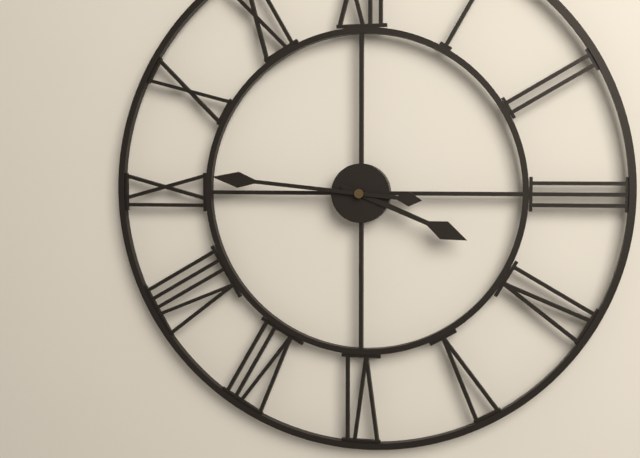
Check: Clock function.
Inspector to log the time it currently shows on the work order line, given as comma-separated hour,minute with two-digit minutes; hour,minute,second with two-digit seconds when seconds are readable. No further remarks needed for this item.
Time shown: 3,46
